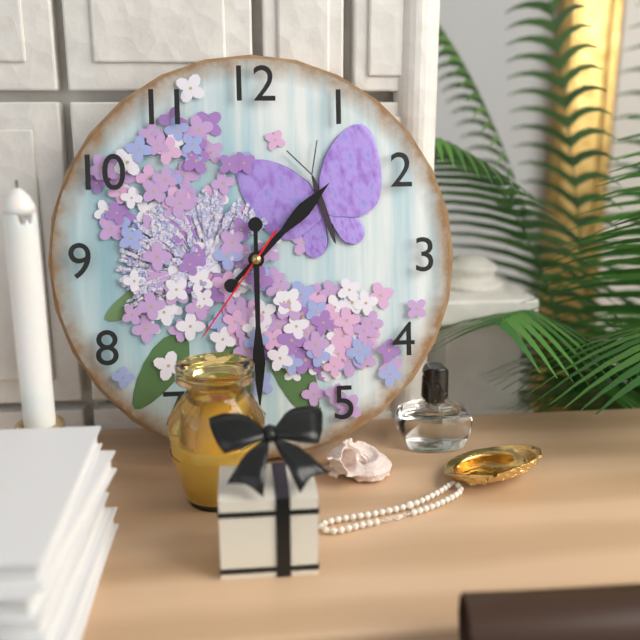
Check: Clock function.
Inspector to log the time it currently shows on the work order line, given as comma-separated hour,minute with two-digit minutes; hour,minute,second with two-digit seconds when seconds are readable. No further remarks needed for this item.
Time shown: 1,30,36
